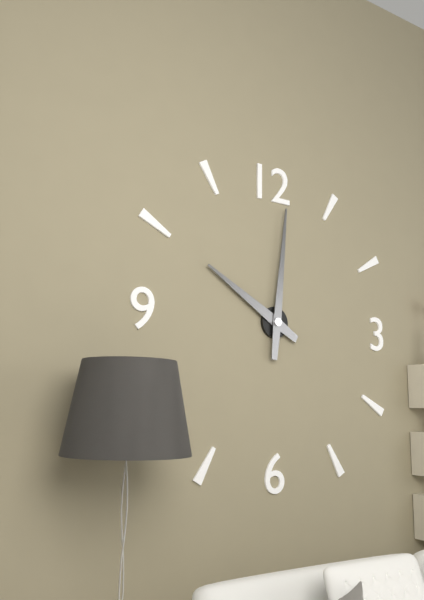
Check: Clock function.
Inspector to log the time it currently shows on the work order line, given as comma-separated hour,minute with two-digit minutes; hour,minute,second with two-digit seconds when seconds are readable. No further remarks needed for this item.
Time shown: 10,01
